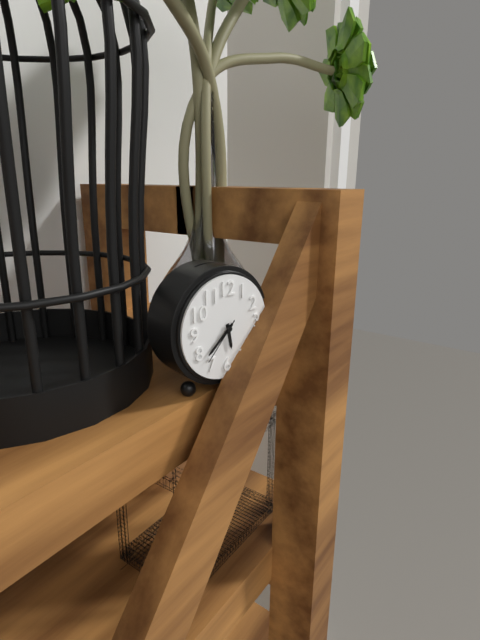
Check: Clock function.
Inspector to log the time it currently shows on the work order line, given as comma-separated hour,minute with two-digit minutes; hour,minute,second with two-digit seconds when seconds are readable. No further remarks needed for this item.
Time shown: 5,38
